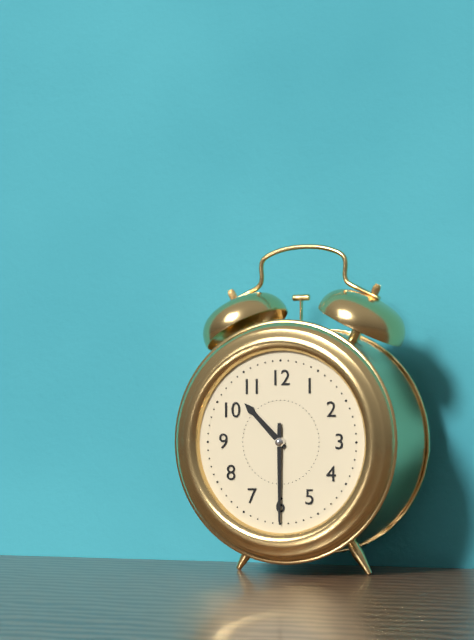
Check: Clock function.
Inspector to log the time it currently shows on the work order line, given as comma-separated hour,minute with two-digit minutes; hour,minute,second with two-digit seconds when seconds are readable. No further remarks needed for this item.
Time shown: 10,30
